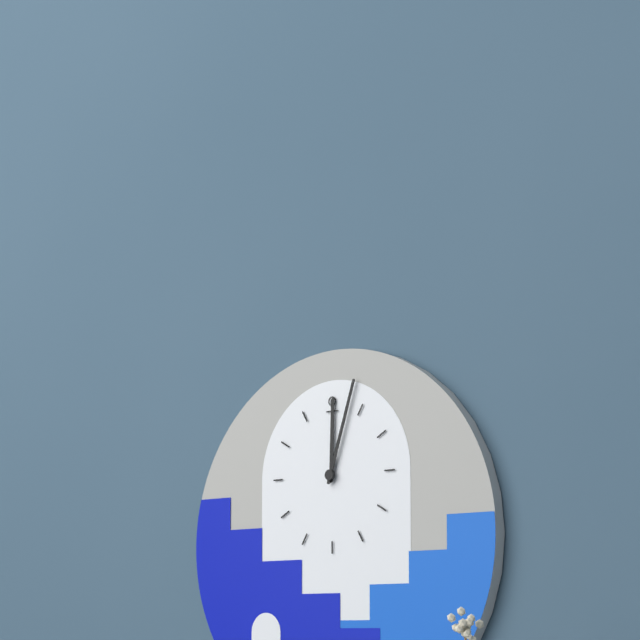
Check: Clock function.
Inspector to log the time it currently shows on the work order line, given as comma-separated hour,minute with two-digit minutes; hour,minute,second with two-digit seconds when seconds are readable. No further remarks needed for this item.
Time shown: 12,03
